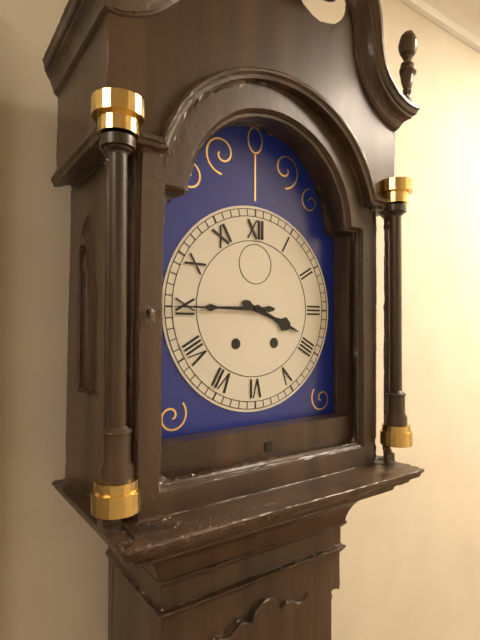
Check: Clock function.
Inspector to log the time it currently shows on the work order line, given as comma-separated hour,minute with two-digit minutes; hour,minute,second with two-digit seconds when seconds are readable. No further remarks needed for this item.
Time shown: 3,45
